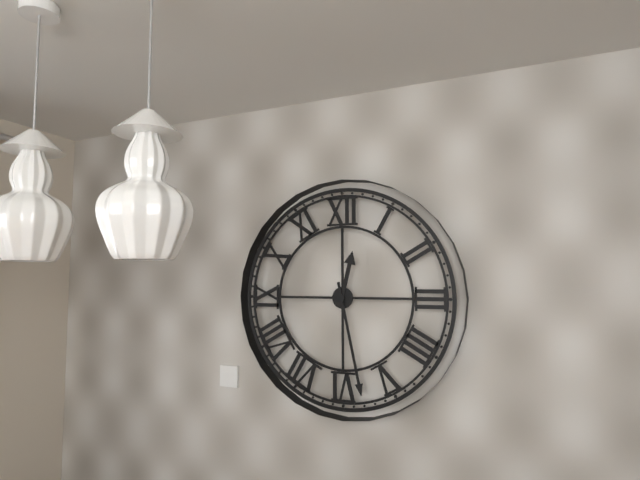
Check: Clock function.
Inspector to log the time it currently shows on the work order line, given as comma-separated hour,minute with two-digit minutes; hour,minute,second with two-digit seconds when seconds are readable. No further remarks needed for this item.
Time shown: 12,28
